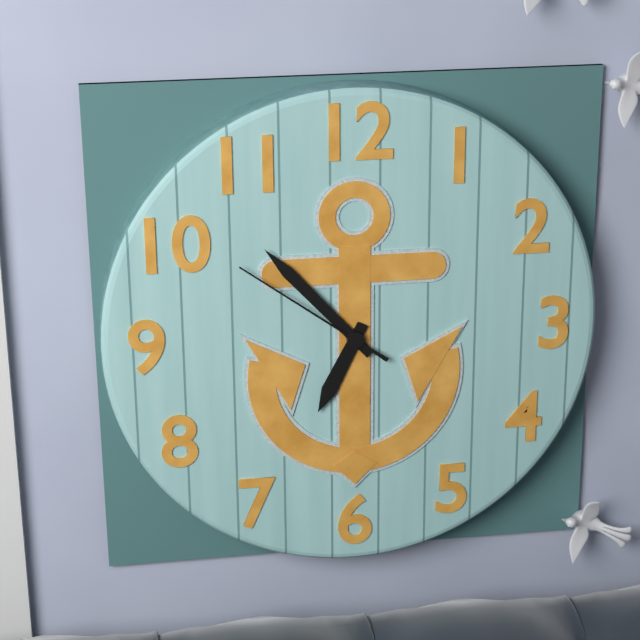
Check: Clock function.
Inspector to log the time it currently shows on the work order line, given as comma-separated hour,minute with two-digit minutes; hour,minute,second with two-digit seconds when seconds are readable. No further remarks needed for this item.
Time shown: 6,53,51
